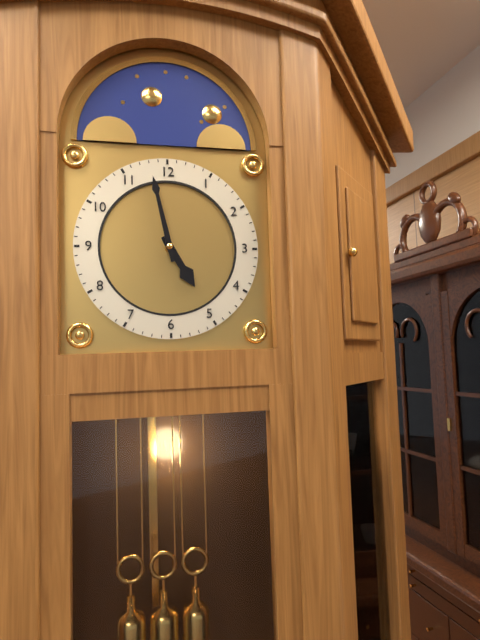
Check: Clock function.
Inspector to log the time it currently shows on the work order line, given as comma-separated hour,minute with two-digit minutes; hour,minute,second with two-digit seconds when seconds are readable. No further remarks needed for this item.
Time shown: 4,58
